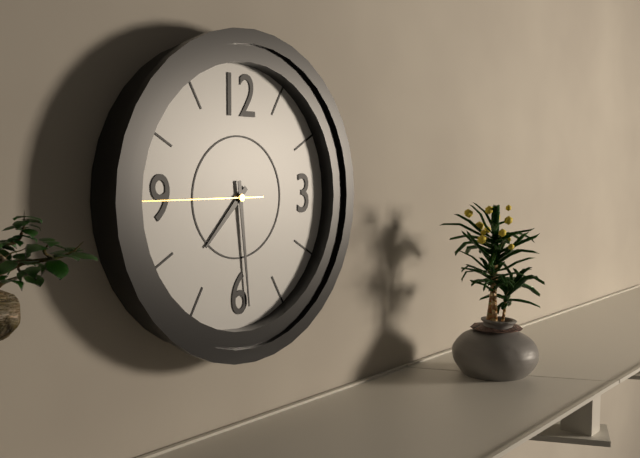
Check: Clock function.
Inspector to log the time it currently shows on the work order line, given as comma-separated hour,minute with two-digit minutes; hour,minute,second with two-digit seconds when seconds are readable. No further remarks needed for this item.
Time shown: 7,29,45
